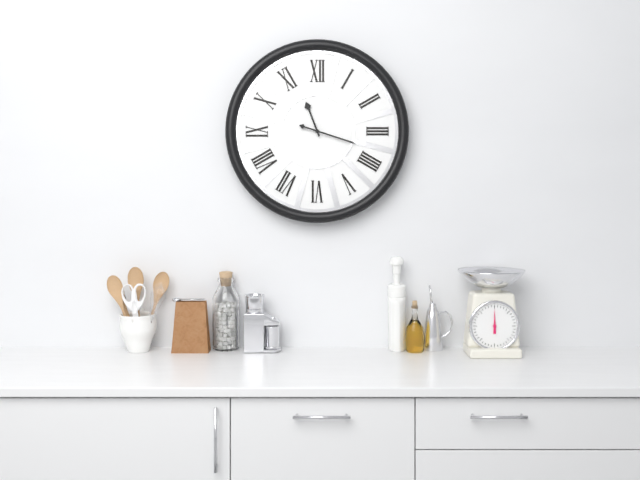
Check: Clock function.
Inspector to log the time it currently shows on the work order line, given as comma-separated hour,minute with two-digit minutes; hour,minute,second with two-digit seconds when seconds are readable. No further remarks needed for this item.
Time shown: 11,18
